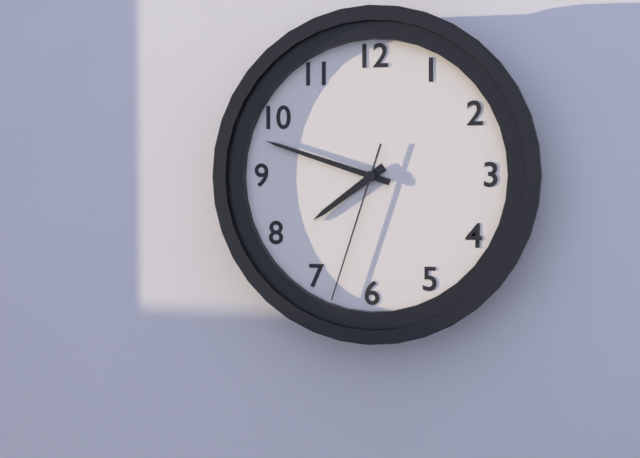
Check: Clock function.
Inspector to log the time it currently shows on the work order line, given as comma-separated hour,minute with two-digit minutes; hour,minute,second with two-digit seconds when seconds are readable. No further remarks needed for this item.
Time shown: 7,48,33
